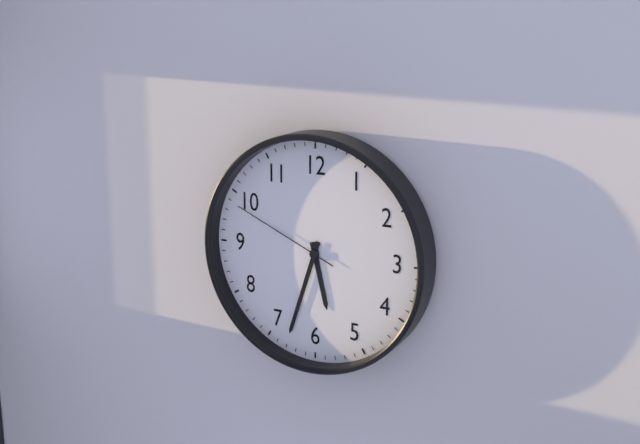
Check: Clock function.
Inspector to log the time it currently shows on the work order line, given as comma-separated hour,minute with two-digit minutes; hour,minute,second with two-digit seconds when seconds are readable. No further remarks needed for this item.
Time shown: 5,33,49
